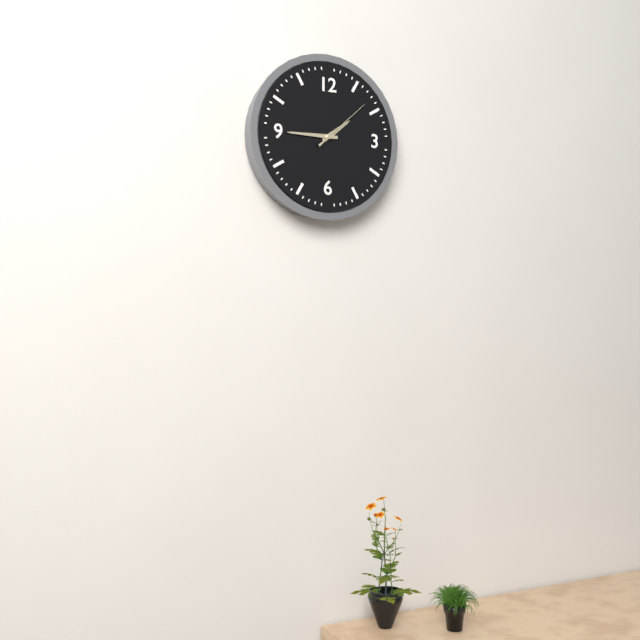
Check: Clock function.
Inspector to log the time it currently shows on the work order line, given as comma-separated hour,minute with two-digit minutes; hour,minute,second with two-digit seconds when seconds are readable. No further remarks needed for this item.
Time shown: 1,45,08
